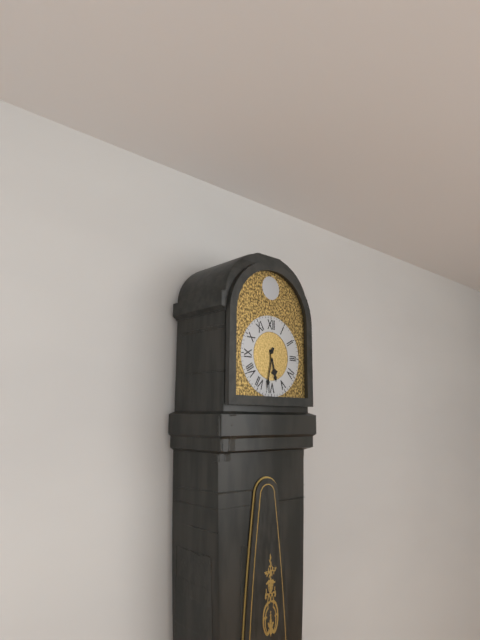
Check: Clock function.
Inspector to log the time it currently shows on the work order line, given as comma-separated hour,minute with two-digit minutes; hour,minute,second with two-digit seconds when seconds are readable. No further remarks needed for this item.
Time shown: 5,32
